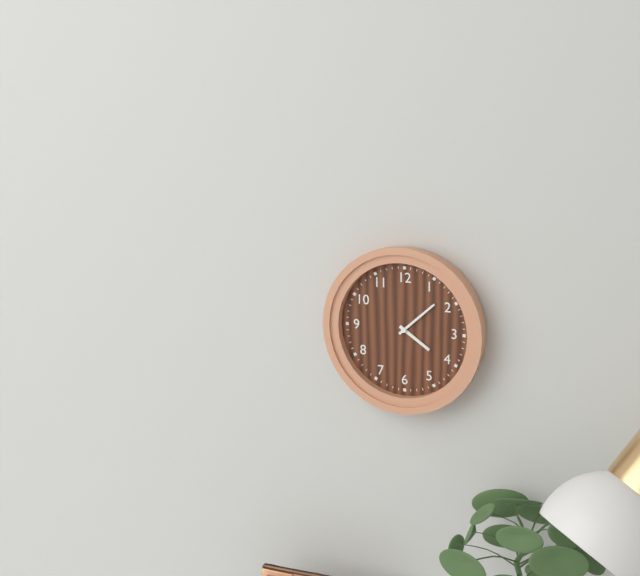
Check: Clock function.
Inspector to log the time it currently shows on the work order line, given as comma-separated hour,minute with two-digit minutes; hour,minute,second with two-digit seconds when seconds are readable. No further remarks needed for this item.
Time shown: 4,08
